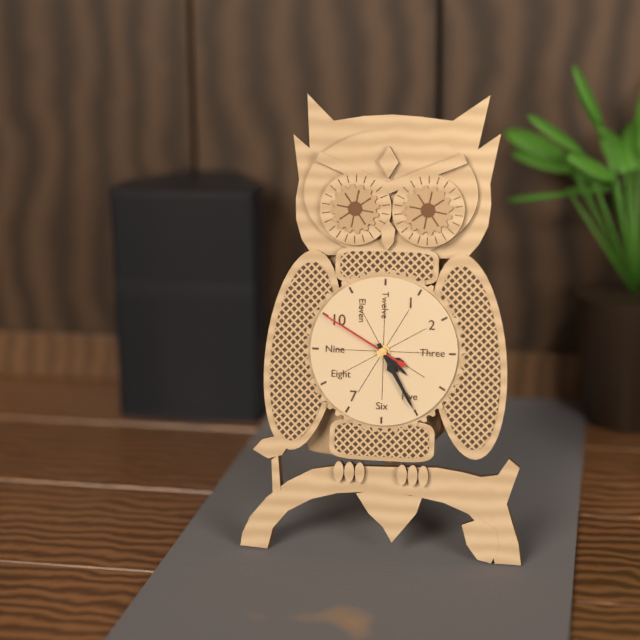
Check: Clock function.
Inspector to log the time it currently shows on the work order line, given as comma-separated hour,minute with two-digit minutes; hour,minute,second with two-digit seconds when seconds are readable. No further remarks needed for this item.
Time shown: 4,25,50
